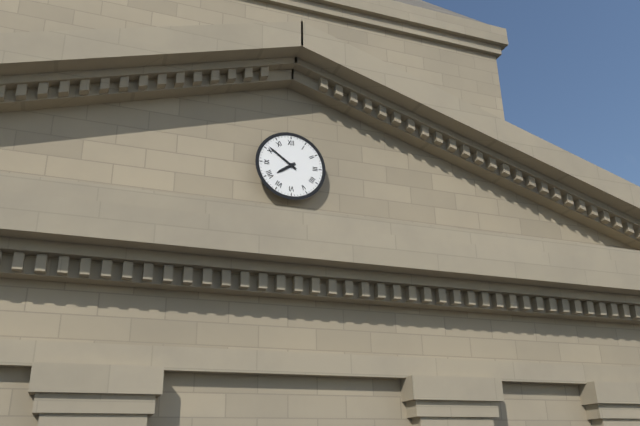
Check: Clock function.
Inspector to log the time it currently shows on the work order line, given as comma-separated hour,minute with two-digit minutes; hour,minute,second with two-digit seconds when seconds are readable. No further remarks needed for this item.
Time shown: 7,51
